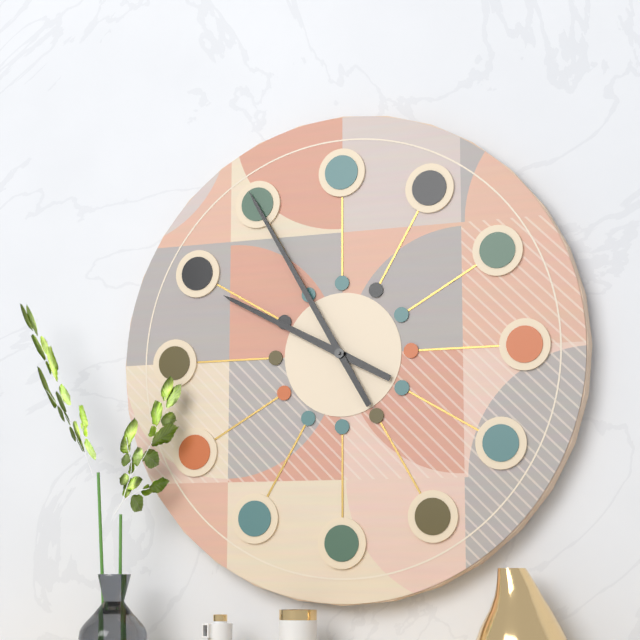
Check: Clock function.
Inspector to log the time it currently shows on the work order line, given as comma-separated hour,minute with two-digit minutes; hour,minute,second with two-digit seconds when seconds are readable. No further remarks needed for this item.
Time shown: 9,55
